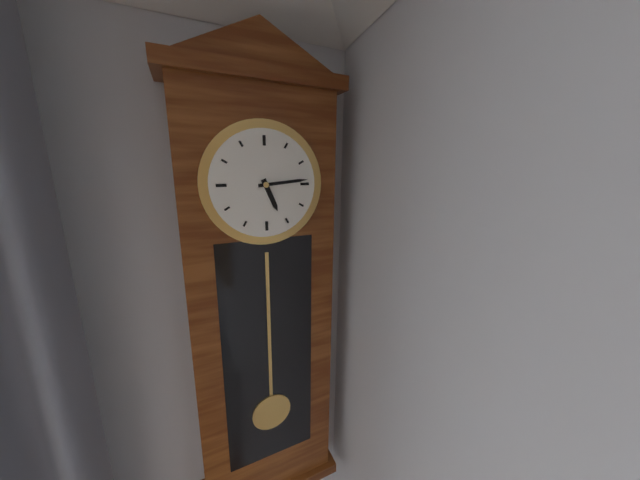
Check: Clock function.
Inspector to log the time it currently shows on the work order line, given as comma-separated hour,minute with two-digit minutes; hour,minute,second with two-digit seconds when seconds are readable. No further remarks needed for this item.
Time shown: 5,14
